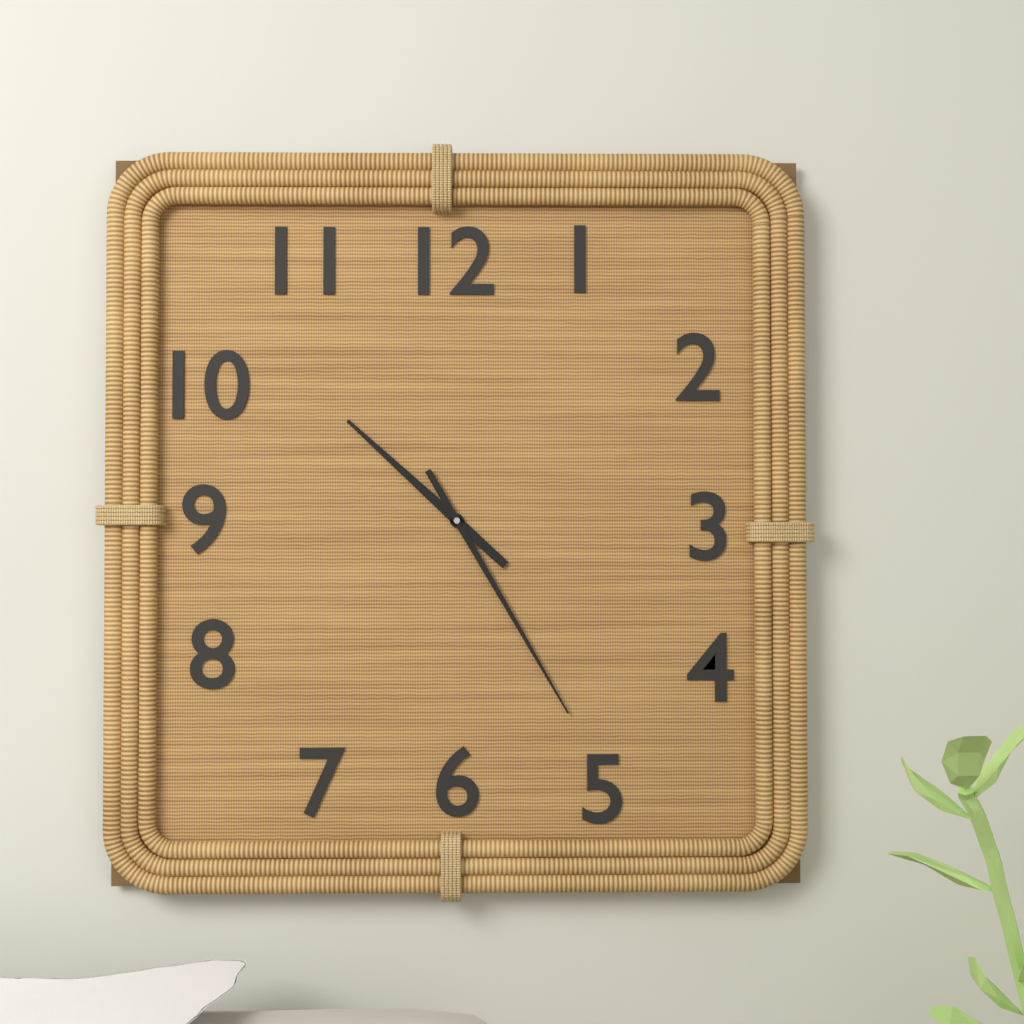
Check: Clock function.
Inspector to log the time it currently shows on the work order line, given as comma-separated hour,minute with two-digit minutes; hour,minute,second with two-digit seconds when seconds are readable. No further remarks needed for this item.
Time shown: 10,25
